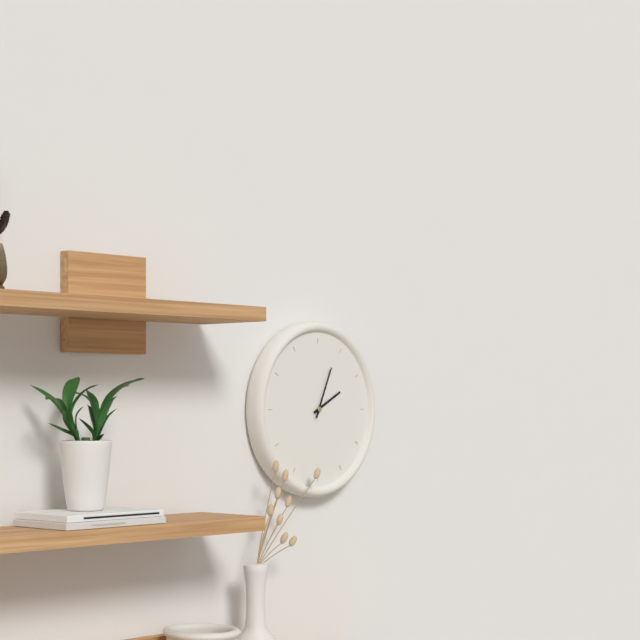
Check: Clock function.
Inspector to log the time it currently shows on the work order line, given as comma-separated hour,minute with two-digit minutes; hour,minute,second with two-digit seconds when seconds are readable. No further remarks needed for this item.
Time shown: 2,04
